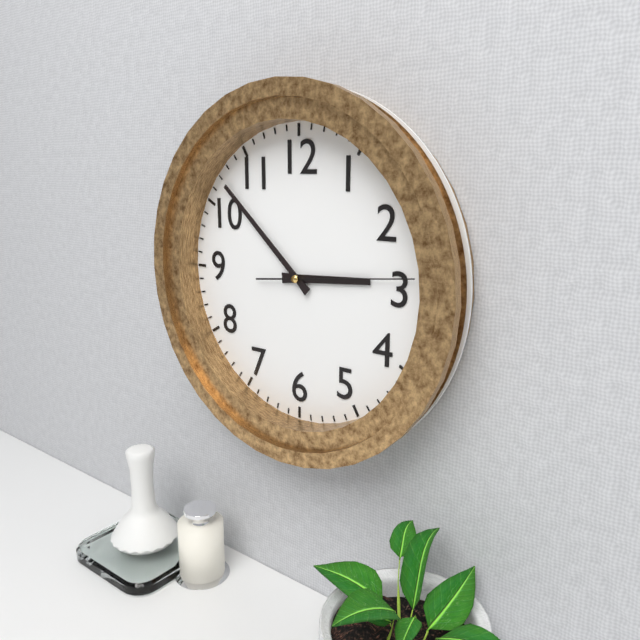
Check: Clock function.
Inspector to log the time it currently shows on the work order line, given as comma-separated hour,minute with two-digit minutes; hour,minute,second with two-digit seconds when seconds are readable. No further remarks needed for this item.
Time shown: 2,52,14
